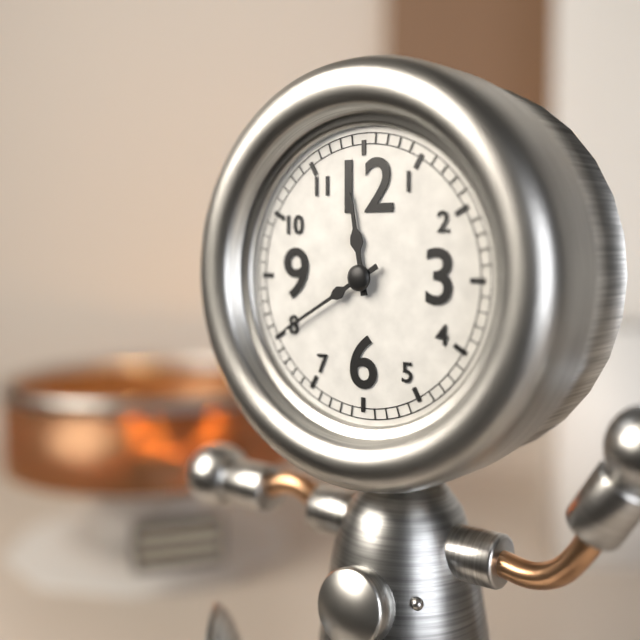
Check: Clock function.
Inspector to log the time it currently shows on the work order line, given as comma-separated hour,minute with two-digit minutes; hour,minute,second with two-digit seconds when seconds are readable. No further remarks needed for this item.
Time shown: 11,40
